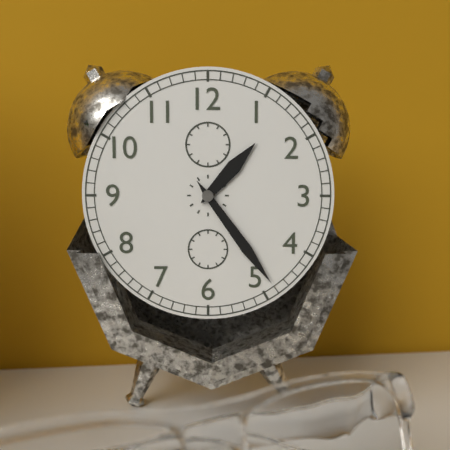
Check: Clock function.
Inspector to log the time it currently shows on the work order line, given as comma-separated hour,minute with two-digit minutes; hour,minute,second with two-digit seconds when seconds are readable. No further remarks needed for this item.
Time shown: 1,24
